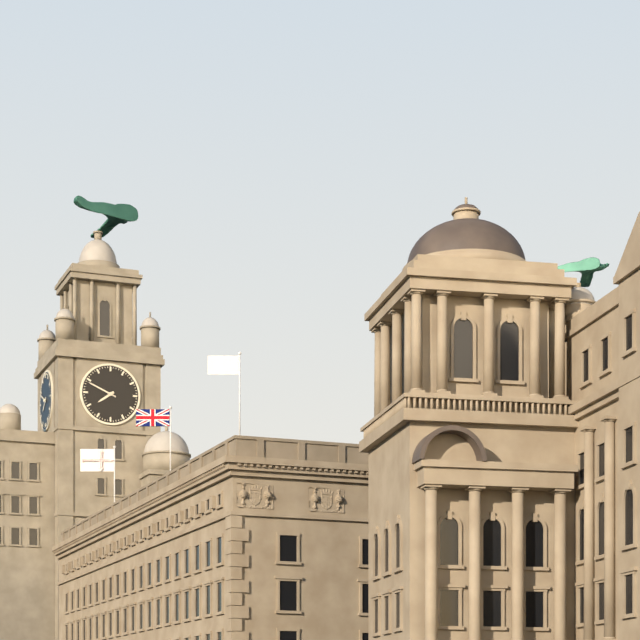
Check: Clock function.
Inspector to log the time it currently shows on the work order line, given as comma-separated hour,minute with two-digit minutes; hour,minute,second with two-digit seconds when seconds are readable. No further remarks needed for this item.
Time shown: 7,49
